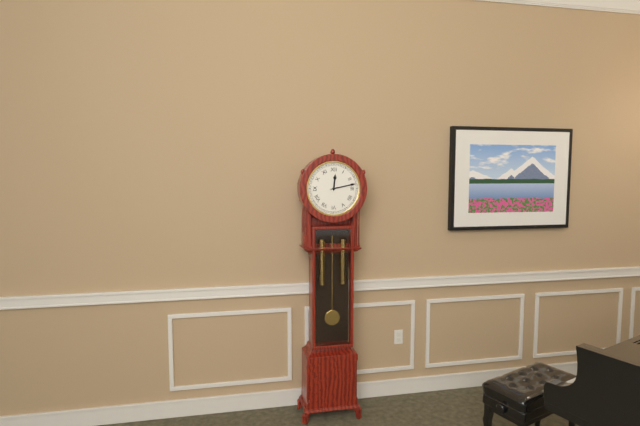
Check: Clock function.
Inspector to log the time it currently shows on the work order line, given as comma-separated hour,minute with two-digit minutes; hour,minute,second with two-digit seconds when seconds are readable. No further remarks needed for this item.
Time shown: 12,13
